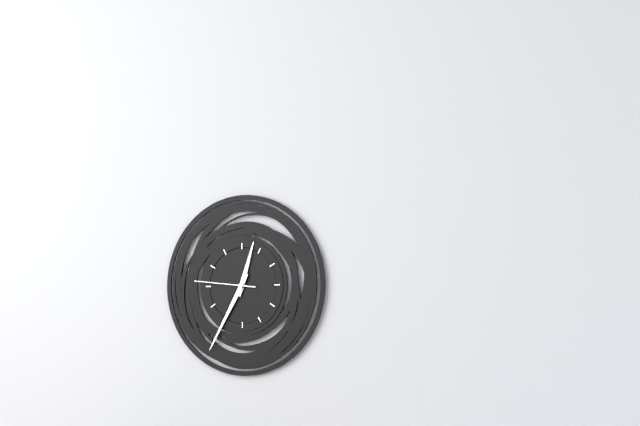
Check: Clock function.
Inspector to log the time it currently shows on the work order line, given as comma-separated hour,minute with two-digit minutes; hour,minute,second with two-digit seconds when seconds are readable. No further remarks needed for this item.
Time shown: 12,35,46
